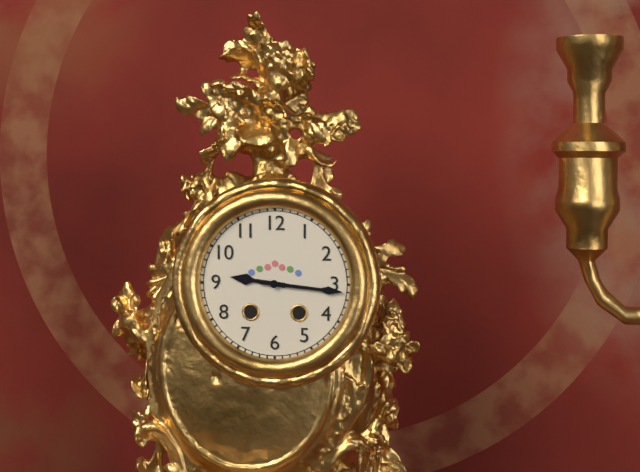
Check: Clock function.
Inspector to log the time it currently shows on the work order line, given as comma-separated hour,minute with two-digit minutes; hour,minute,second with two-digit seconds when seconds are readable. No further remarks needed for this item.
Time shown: 9,16
